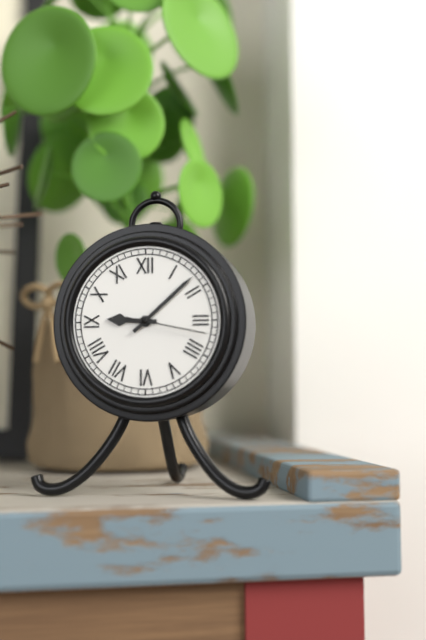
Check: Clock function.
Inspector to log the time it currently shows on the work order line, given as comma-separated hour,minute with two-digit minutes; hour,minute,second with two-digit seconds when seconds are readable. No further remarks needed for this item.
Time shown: 9,08,17
